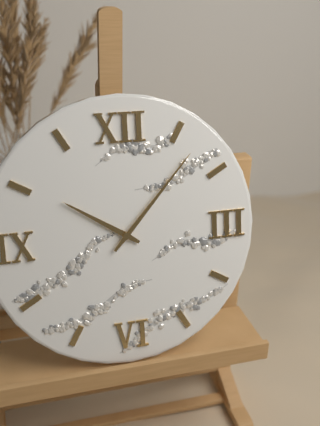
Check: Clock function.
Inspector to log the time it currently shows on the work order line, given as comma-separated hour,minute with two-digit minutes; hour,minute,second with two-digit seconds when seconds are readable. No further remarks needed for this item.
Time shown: 10,07
